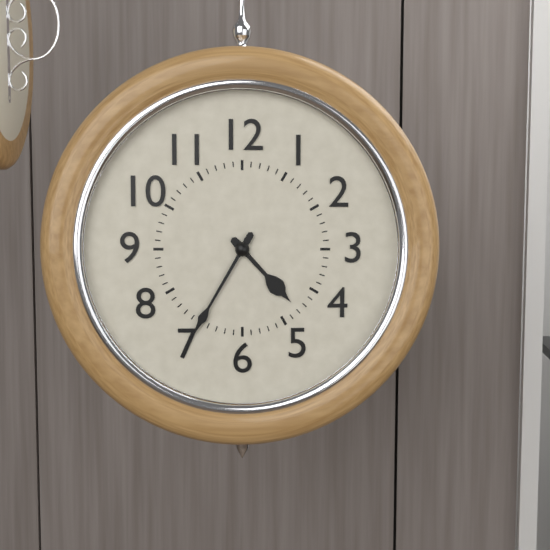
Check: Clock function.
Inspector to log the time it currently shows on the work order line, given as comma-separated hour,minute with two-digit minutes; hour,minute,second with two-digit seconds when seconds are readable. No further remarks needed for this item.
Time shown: 4,35
